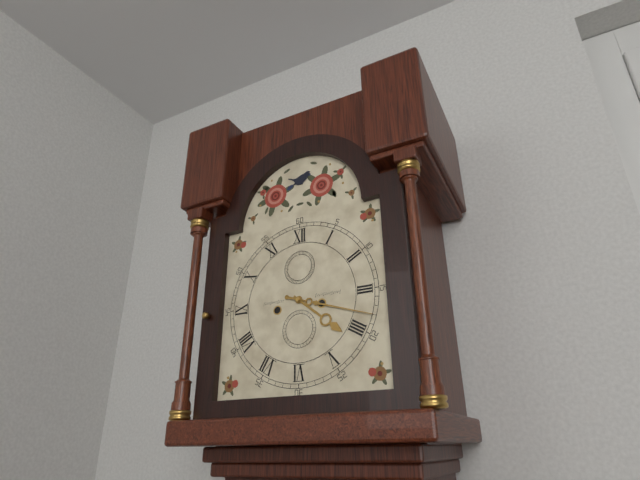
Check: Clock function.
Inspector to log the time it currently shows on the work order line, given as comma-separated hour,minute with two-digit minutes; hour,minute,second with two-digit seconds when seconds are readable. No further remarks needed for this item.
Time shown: 4,18
